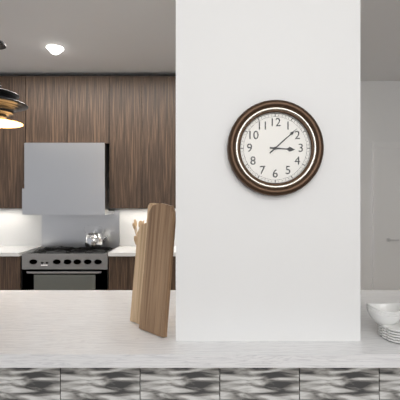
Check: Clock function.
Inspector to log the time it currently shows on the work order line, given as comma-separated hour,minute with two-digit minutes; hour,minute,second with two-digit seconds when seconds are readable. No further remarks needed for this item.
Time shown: 3,08
